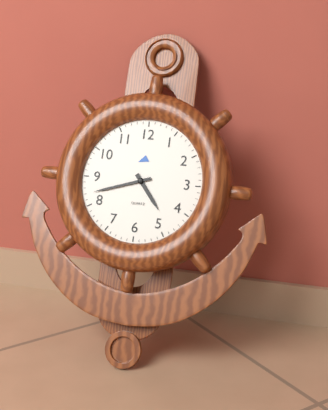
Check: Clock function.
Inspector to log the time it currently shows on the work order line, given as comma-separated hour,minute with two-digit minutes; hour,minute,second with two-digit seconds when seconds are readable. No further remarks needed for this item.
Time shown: 4,42
